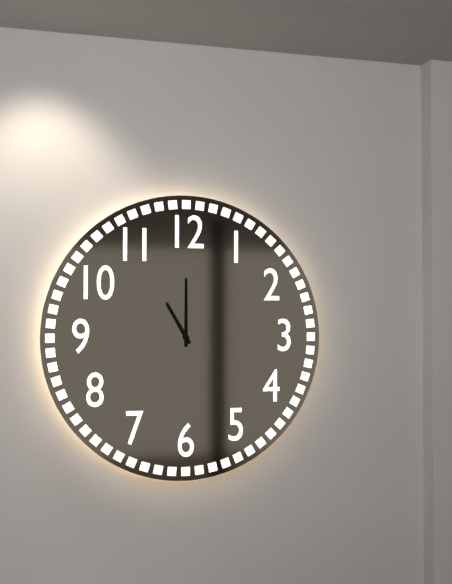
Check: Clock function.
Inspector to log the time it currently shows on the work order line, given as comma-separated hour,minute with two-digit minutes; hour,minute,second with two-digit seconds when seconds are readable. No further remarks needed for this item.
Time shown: 11,00
